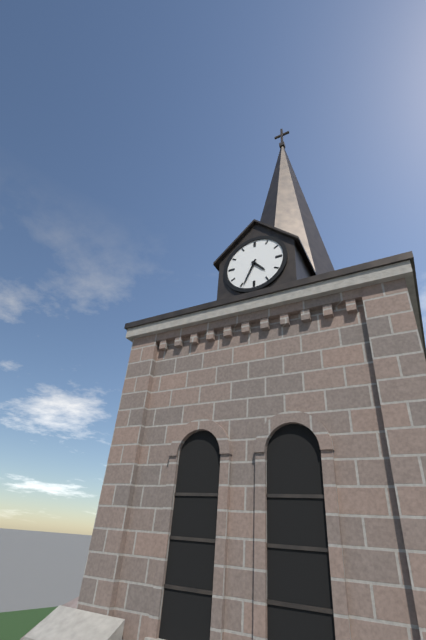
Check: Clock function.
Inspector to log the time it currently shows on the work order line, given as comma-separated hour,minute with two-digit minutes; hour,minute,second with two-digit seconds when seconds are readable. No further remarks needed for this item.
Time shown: 4,34
